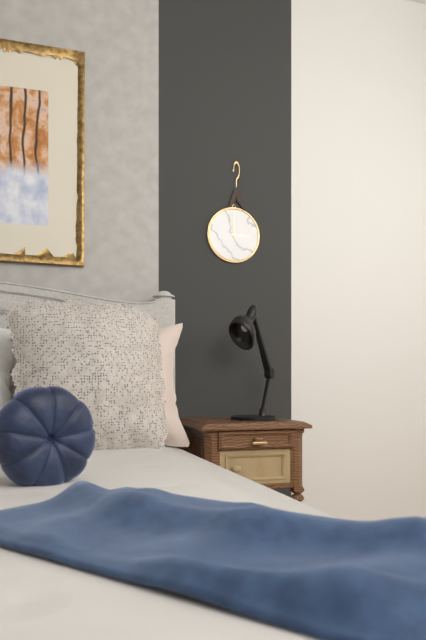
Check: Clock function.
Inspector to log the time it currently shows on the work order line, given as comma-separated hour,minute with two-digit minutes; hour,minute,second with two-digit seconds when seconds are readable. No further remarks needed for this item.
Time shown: 3,00
